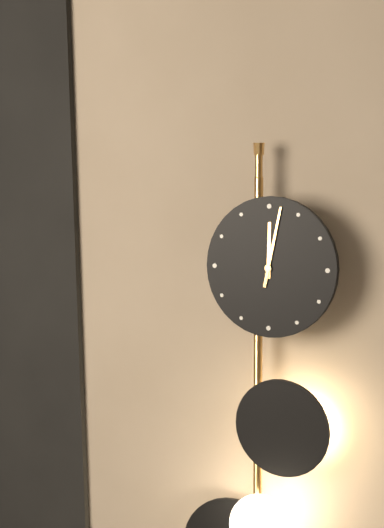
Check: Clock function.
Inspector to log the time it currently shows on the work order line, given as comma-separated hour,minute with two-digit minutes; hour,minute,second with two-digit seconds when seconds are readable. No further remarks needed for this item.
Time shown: 12,02
